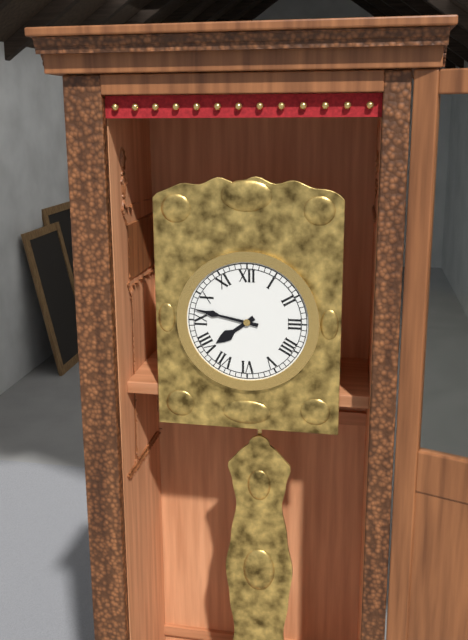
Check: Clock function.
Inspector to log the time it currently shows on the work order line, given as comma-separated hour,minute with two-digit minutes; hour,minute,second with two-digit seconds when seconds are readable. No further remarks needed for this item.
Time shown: 7,47
